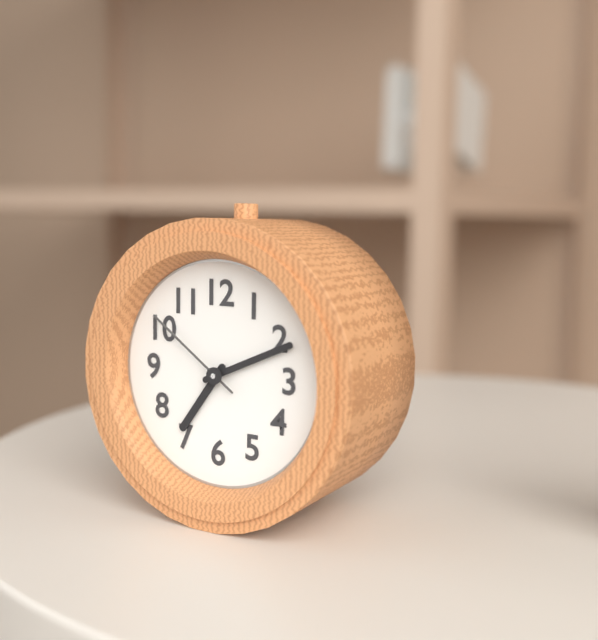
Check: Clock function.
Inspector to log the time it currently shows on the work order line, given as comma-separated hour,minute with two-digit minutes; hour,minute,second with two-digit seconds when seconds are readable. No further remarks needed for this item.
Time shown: 7,11,51
